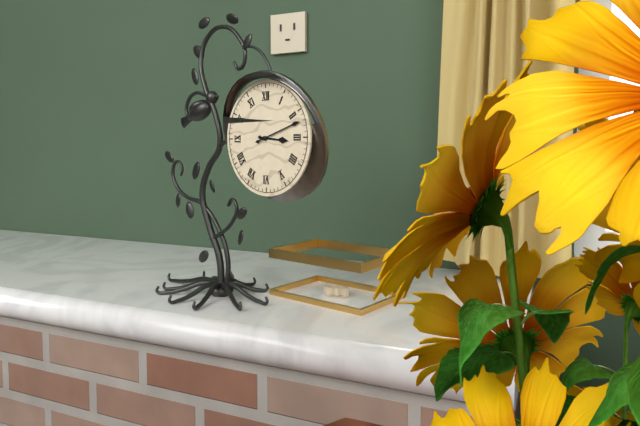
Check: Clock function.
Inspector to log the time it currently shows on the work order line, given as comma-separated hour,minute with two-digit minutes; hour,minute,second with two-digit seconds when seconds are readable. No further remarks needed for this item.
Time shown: 3,12
